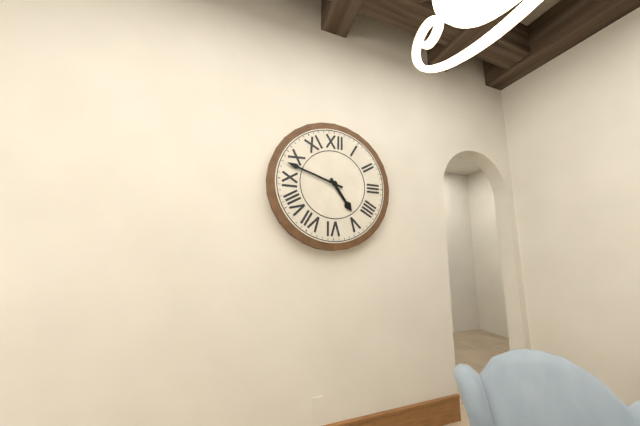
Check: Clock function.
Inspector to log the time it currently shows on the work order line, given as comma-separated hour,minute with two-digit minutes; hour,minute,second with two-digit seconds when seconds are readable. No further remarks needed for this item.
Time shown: 4,48
